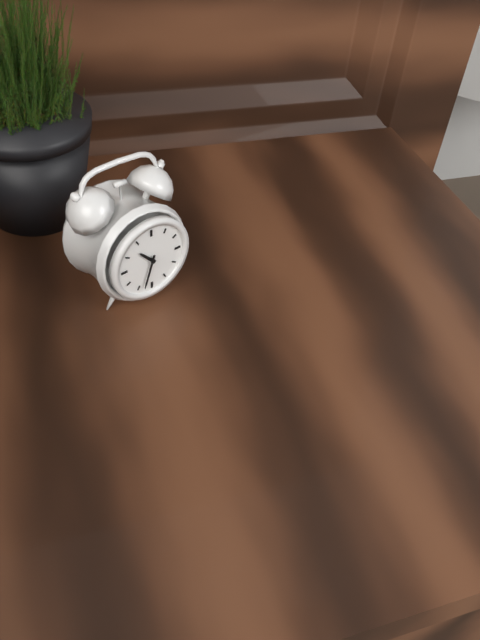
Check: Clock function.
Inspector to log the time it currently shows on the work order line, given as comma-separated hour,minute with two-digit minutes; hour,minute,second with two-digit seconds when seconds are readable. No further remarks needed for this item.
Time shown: 10,33
